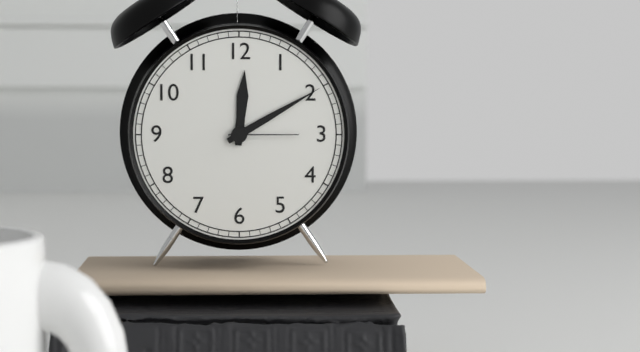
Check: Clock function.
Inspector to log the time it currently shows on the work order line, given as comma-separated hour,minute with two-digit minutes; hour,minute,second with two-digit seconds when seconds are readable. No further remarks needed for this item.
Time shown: 12,10,15
